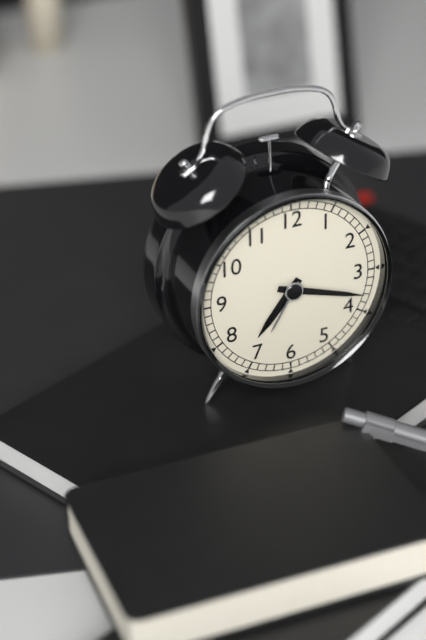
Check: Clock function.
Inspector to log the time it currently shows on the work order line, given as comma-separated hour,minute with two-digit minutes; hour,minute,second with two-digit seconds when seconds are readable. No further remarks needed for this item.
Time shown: 7,18
